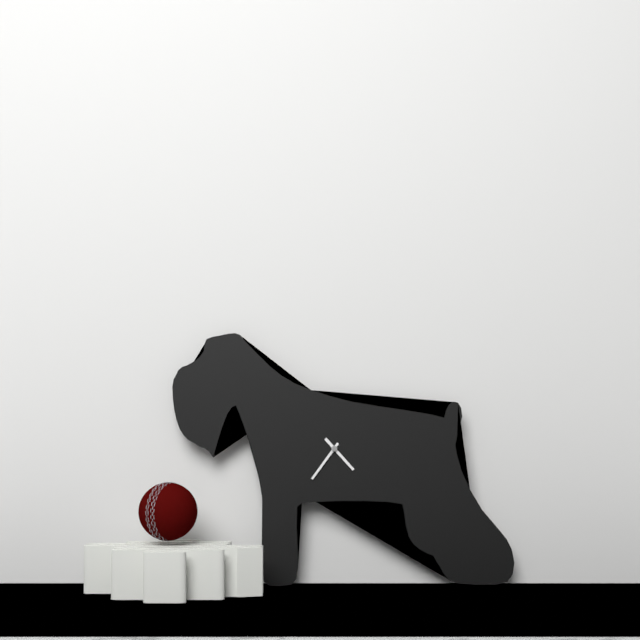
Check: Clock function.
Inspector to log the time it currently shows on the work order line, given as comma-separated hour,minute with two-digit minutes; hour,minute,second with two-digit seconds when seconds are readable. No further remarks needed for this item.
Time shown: 4,36
